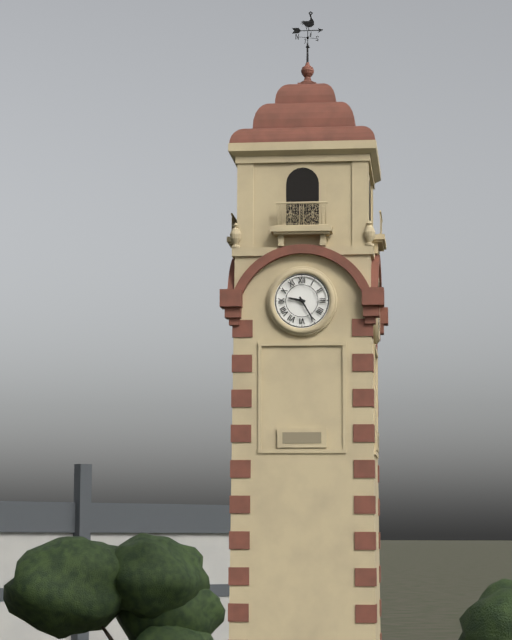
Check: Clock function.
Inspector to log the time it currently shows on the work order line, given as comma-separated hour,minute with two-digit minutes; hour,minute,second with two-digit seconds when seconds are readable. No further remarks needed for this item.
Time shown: 9,25
